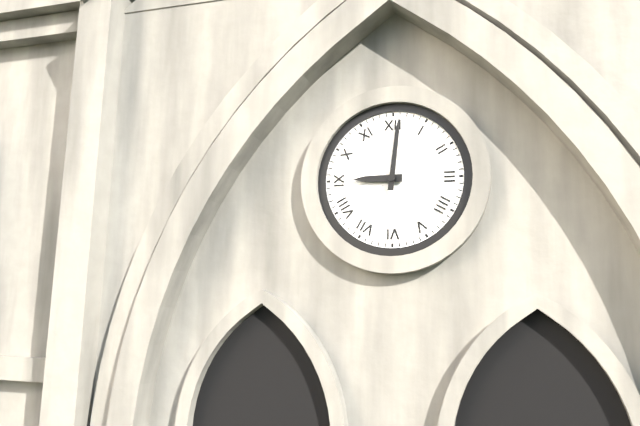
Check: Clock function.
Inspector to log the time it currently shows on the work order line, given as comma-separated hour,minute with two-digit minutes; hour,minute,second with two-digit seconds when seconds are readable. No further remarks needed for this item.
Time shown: 9,01
